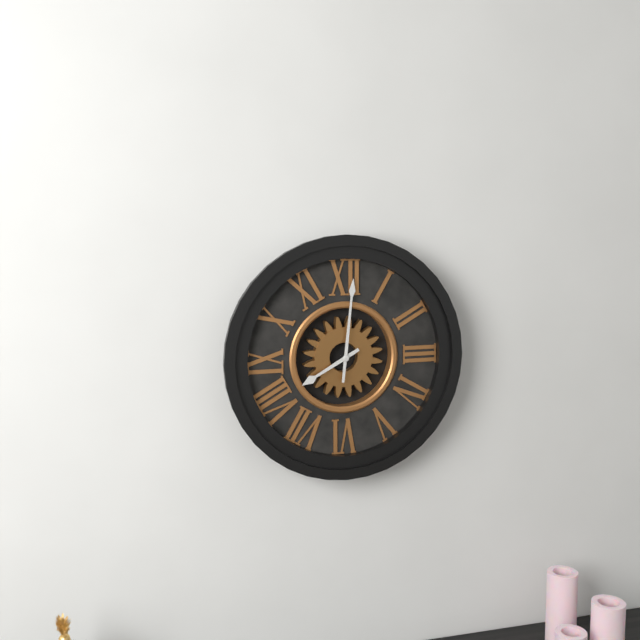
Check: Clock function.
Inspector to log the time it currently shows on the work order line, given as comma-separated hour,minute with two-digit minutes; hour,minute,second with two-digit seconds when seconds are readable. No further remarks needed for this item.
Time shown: 8,01
